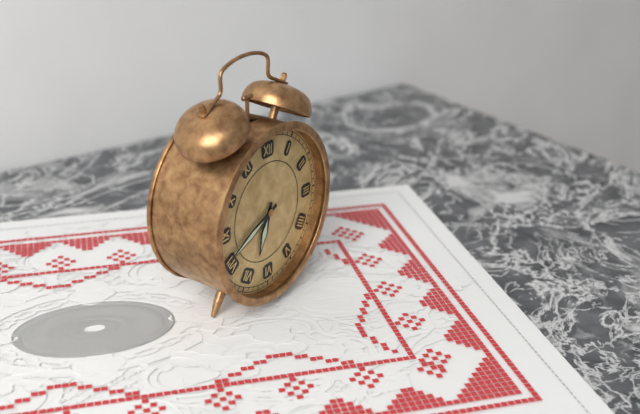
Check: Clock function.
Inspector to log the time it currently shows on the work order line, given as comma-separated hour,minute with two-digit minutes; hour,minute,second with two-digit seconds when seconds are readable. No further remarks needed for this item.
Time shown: 6,41
